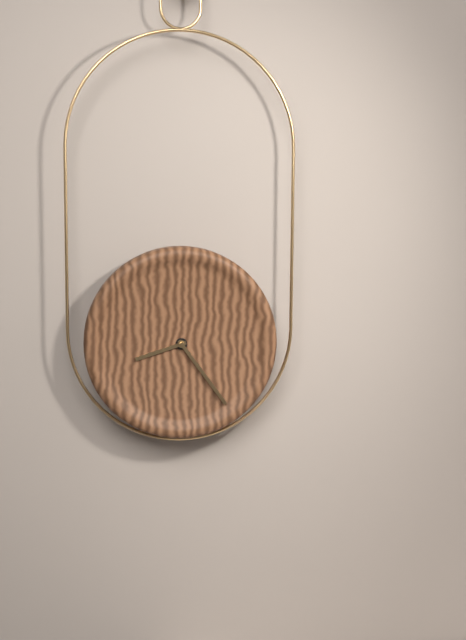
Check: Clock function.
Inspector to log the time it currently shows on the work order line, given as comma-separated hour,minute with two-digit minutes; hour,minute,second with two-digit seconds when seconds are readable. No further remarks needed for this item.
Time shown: 8,24
